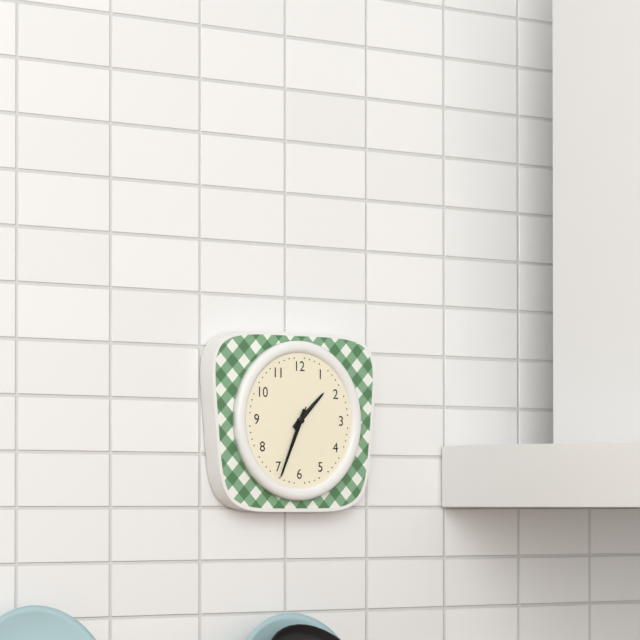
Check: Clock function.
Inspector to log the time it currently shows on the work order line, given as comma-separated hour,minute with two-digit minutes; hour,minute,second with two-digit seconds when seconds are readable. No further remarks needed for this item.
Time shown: 1,34,34
